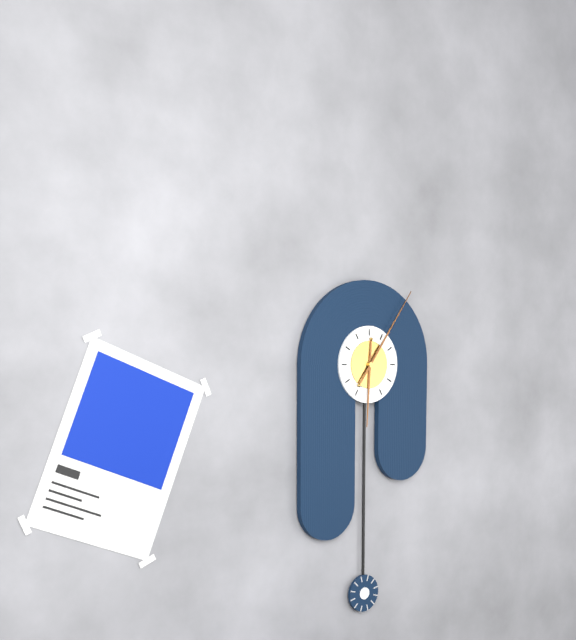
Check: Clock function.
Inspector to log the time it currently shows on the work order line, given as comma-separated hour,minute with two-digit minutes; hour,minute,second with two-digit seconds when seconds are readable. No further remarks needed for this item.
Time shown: 6,06
